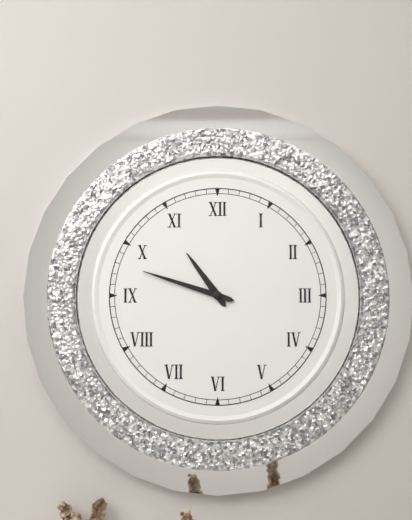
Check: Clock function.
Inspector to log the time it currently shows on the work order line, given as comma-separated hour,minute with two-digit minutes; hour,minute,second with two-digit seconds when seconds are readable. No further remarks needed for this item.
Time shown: 10,48
